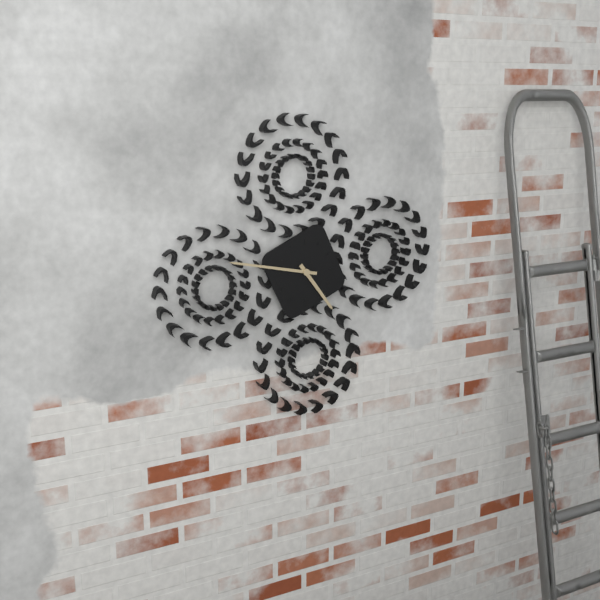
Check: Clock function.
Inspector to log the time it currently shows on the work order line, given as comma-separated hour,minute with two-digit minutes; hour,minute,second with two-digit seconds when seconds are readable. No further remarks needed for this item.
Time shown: 4,47
